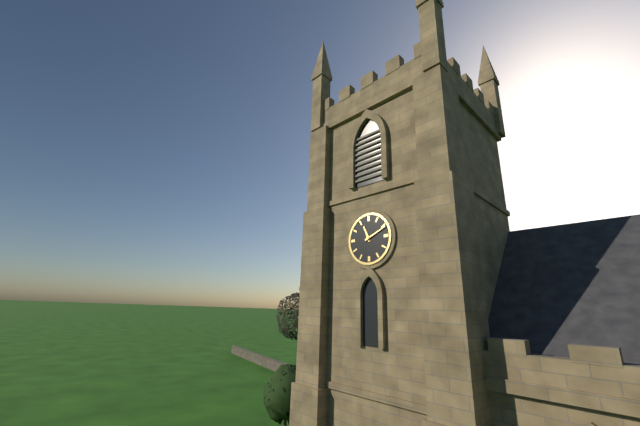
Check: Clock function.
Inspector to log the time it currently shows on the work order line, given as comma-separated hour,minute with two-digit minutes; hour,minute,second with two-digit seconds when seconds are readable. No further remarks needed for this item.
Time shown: 11,11
